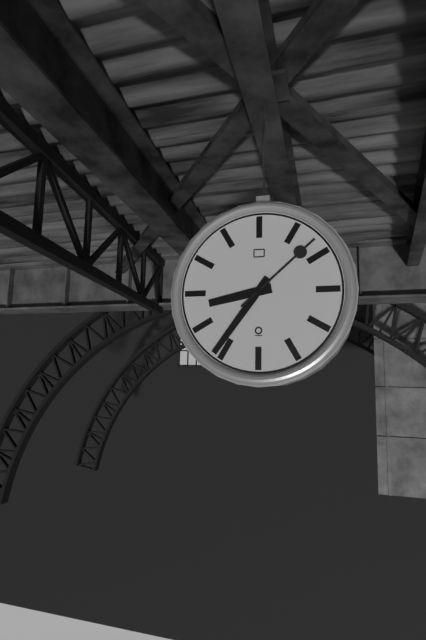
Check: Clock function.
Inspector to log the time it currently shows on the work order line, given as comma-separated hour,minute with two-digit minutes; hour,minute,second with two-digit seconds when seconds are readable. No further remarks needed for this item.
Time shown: 8,36,08
